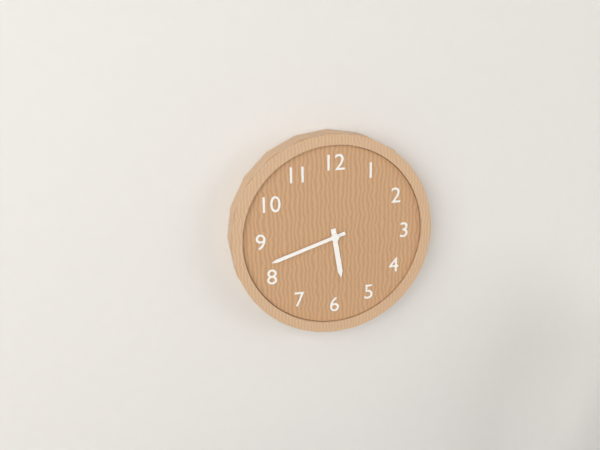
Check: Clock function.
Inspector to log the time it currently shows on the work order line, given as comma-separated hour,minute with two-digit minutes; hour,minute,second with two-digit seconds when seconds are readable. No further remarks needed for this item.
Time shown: 5,42
